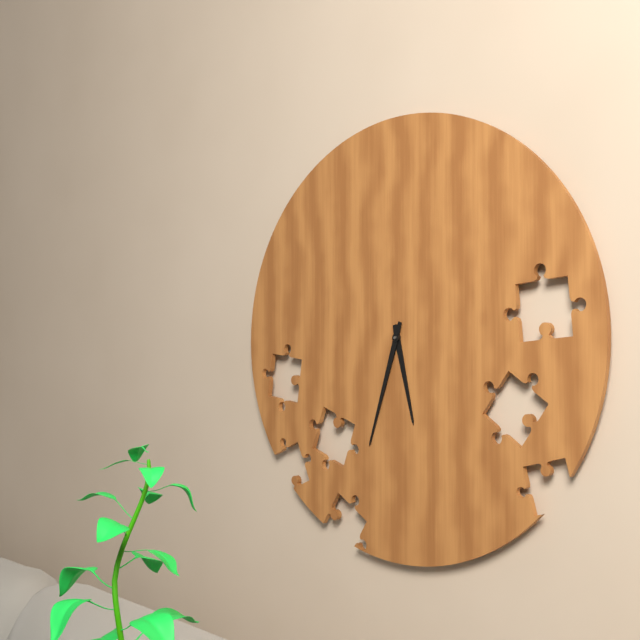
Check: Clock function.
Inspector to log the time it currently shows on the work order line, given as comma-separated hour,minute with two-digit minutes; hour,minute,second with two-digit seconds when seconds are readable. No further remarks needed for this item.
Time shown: 5,33
